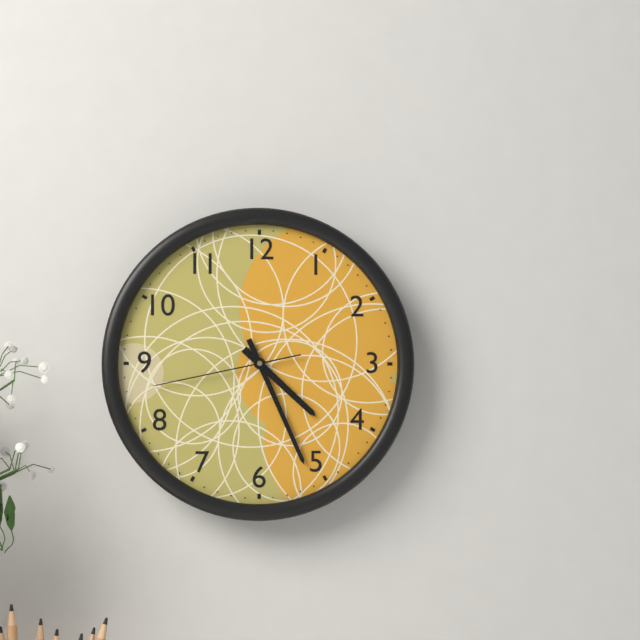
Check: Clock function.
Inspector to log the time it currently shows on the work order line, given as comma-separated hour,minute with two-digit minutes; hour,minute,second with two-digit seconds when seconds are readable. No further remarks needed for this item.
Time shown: 4,26,43
